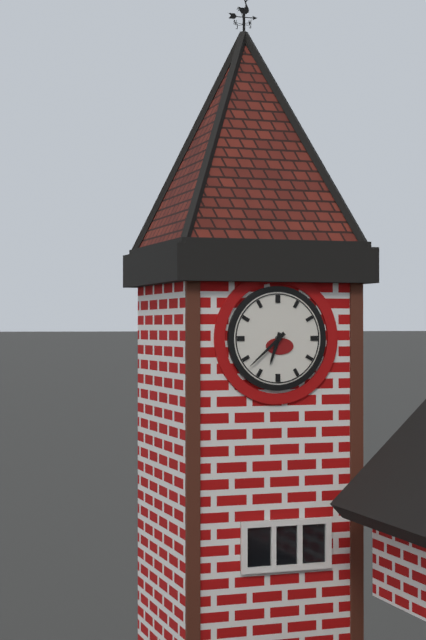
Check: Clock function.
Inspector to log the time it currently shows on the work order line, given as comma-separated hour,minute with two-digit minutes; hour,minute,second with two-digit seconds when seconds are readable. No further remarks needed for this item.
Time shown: 6,38
